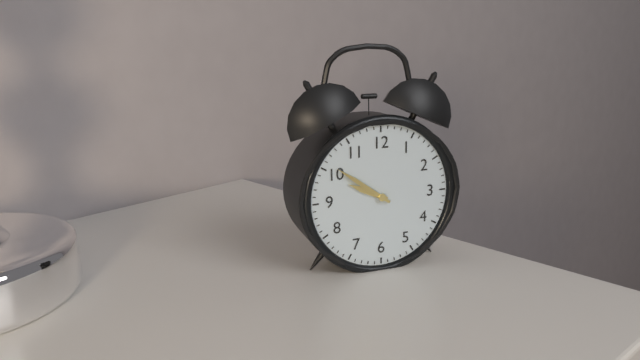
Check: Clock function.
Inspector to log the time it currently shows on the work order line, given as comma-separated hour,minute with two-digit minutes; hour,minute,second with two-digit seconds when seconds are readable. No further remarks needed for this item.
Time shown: 9,51
